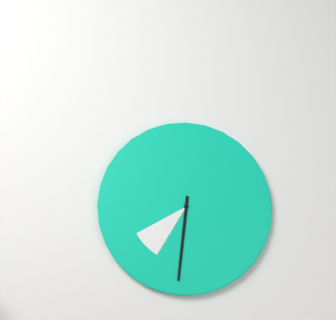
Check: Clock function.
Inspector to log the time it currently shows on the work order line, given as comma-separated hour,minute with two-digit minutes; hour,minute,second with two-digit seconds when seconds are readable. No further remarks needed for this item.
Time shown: 7,31
